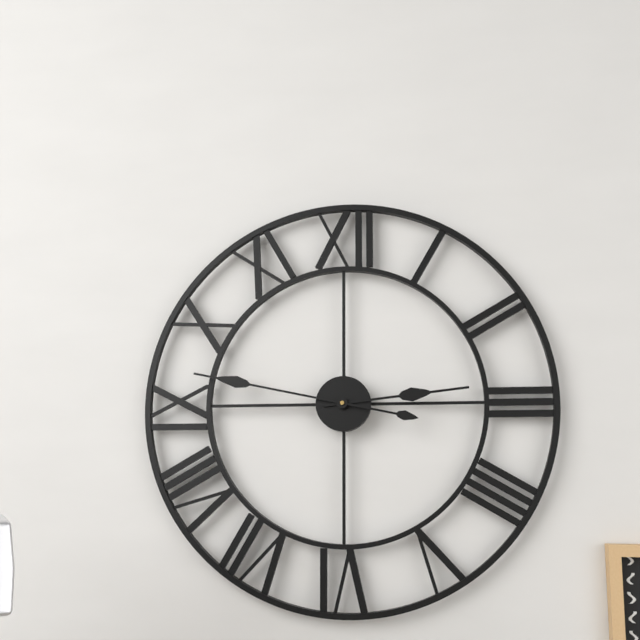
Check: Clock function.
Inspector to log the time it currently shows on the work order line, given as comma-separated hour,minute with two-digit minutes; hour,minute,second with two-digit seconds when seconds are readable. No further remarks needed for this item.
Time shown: 2,47
